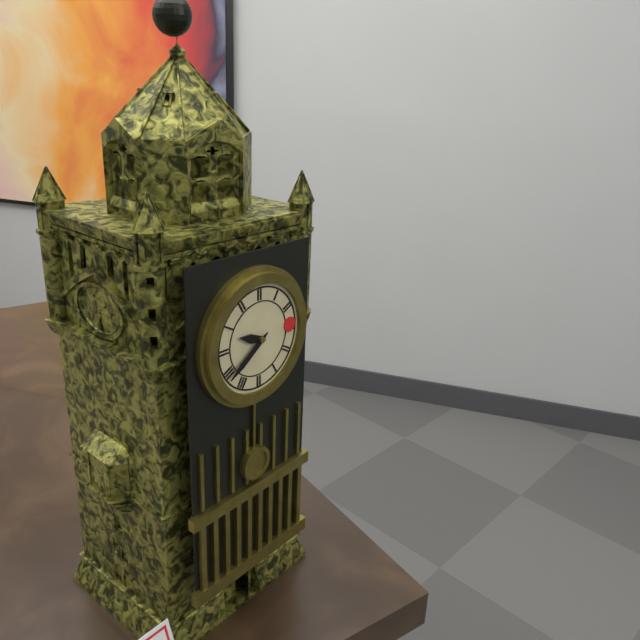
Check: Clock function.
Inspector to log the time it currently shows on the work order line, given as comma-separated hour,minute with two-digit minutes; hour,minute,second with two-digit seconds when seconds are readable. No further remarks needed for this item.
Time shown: 9,39
